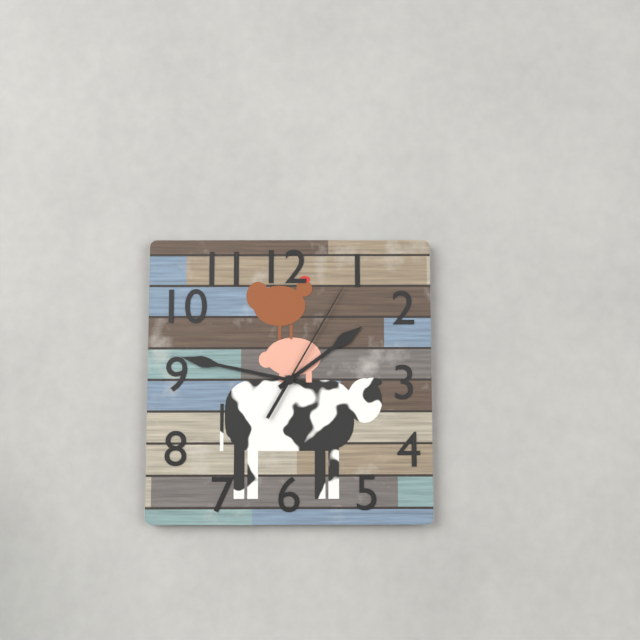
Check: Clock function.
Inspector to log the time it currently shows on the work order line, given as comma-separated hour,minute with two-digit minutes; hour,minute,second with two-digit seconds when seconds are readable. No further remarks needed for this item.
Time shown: 1,47,05
